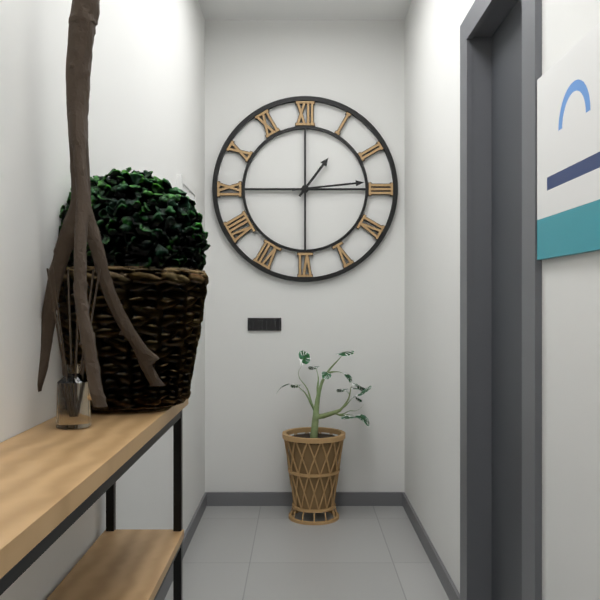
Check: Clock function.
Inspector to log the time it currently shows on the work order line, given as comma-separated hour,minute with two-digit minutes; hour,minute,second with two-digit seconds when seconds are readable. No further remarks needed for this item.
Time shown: 1,14
